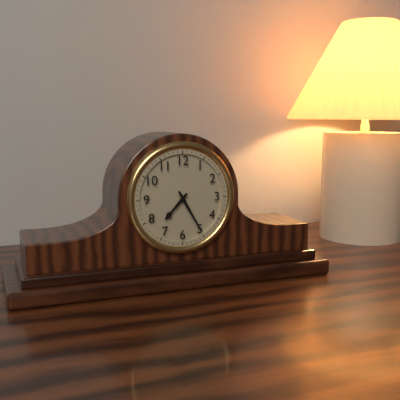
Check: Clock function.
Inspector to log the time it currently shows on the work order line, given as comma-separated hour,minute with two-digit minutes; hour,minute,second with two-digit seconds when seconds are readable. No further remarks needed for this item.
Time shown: 7,25
